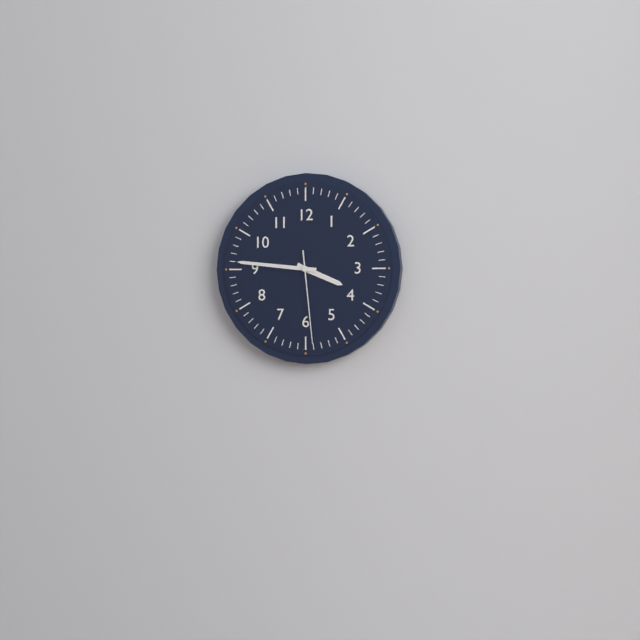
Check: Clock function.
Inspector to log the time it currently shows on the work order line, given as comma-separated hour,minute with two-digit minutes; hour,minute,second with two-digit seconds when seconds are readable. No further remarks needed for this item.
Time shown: 3,46,29
